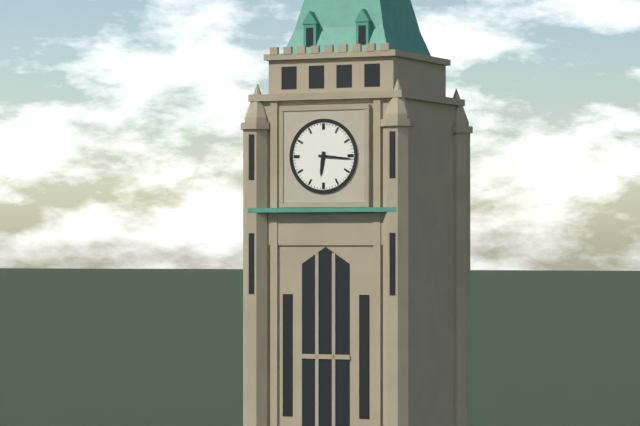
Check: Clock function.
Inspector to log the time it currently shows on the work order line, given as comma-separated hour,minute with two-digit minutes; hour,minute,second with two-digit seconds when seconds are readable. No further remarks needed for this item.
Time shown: 6,16
